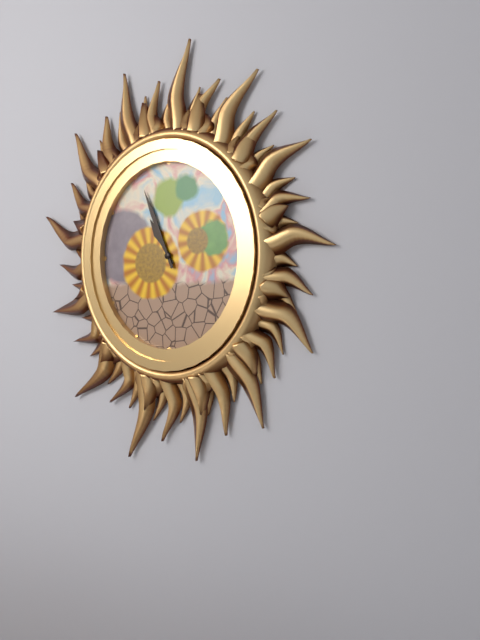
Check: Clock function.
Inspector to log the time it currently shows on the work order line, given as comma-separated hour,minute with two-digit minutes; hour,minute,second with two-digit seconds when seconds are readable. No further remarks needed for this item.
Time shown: 10,56
